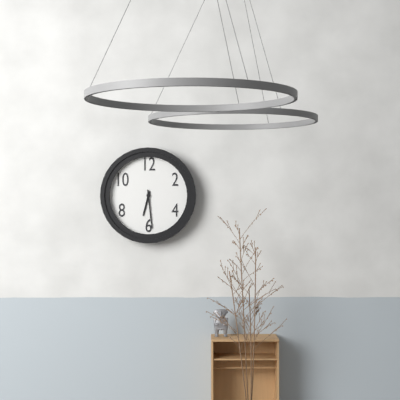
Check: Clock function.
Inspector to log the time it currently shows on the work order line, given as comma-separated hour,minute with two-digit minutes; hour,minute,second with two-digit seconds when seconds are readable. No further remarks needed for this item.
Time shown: 6,29
